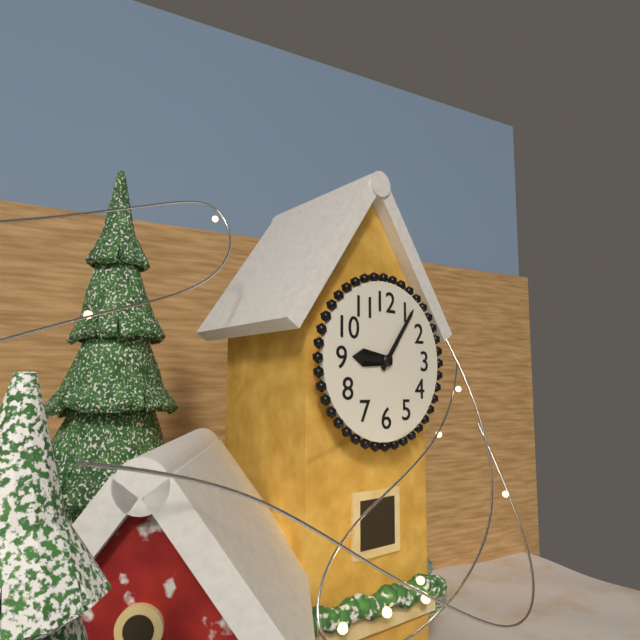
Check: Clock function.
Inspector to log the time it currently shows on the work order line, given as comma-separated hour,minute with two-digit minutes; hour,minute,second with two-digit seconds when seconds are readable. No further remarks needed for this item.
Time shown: 9,06
